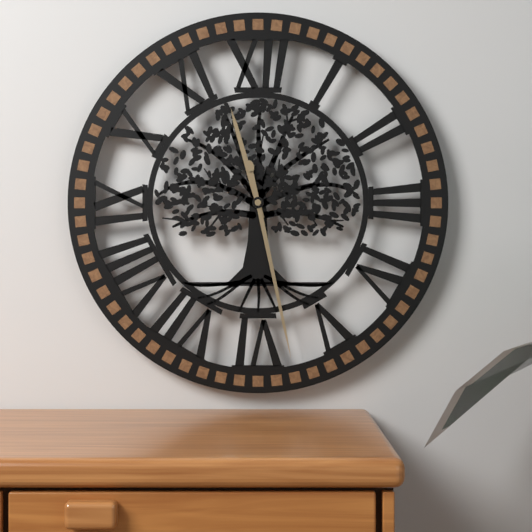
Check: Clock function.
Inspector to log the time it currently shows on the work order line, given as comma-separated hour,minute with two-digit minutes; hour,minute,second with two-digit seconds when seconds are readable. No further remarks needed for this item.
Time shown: 11,28
